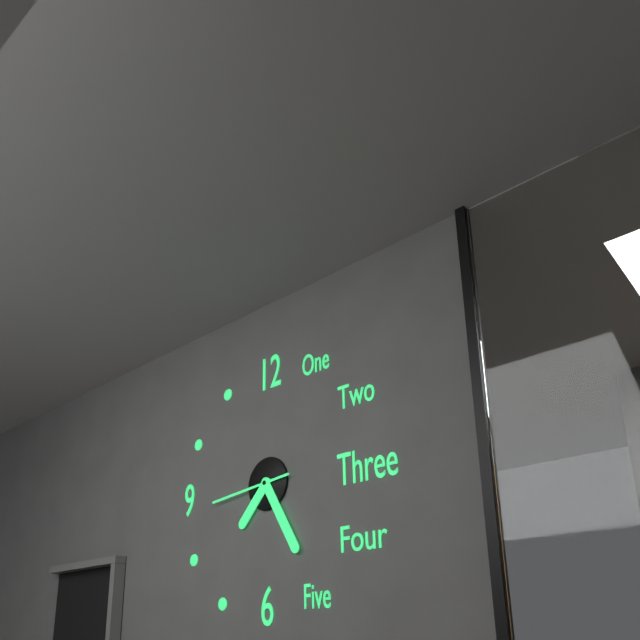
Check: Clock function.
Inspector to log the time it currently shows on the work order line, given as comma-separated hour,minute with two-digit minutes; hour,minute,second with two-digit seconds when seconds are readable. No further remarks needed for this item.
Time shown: 7,25,44
